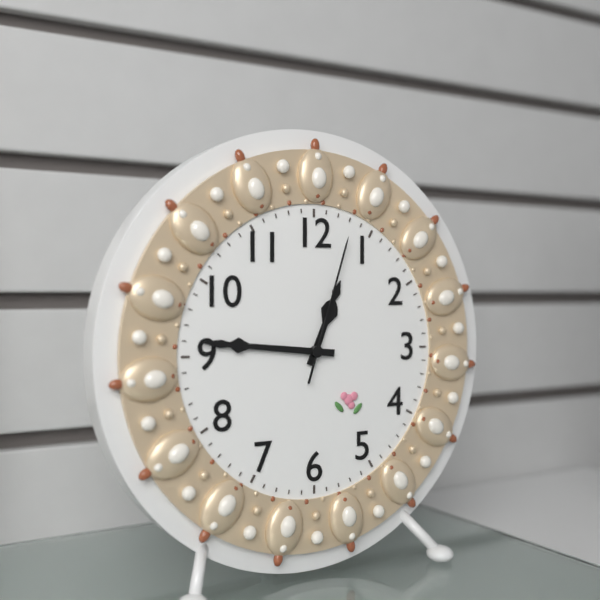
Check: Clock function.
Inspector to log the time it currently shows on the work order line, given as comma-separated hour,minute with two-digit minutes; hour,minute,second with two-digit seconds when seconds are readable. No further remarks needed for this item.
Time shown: 12,46,03
